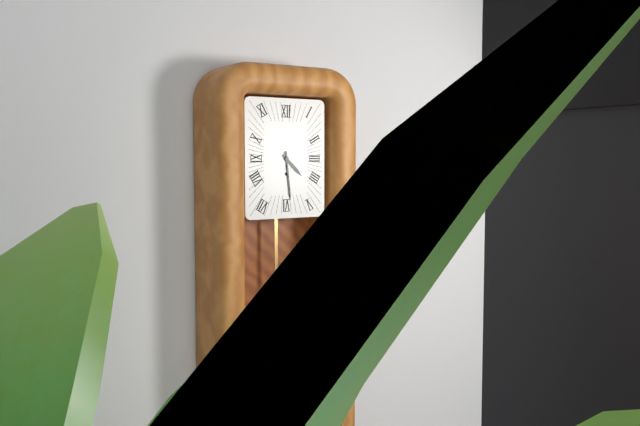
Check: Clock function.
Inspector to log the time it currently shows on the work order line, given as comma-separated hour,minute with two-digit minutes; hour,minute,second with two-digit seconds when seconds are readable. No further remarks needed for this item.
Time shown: 4,29
